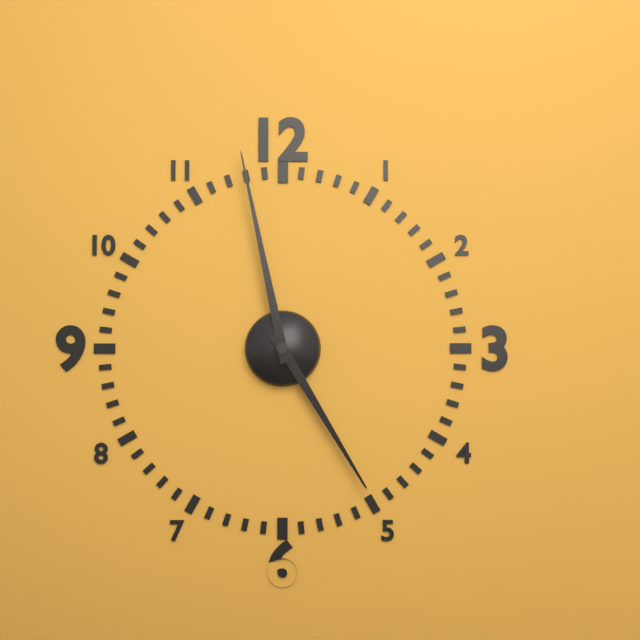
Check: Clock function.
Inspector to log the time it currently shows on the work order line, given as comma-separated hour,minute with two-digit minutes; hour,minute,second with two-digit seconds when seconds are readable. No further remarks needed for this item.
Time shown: 4,58
